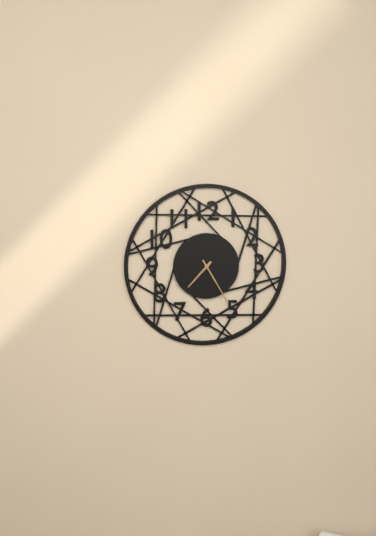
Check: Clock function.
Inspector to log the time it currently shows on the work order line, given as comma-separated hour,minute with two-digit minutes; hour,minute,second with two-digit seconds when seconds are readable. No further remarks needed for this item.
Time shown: 7,25
